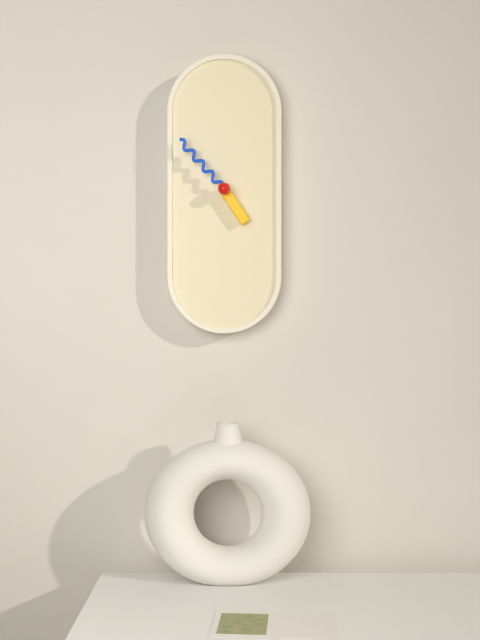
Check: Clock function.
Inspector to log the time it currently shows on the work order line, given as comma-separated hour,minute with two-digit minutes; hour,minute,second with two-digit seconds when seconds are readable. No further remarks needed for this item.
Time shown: 4,53
